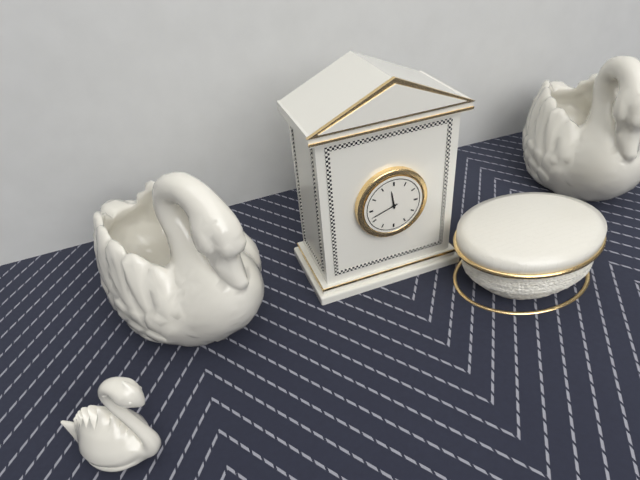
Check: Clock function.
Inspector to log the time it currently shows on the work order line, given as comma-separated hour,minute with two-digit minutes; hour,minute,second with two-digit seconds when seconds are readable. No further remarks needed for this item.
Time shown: 11,42
